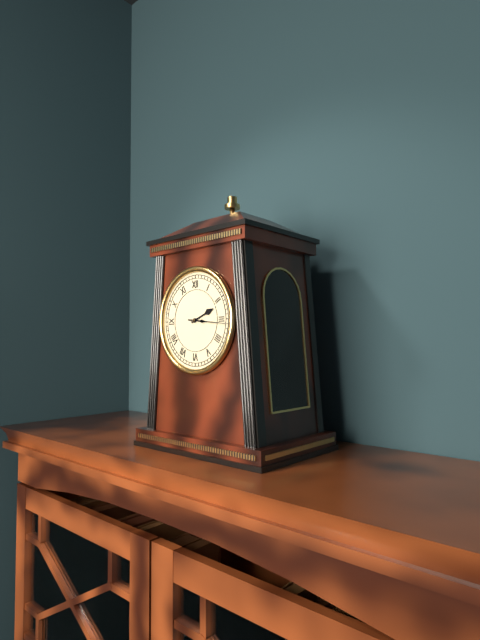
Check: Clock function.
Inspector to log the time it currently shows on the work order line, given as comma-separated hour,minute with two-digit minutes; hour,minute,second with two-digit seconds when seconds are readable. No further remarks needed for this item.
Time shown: 2,16
